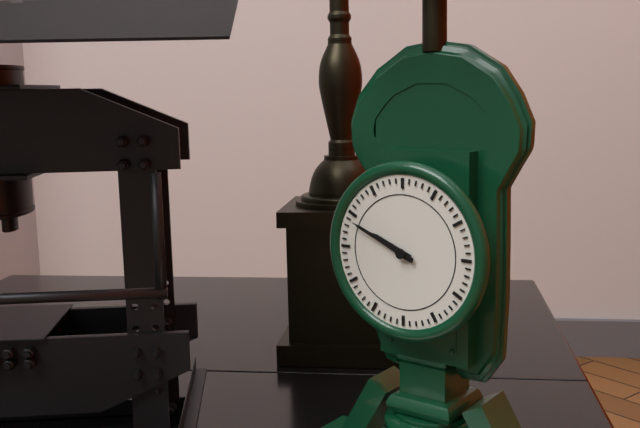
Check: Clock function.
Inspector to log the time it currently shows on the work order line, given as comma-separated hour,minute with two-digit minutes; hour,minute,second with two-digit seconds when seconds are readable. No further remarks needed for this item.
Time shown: 9,49
